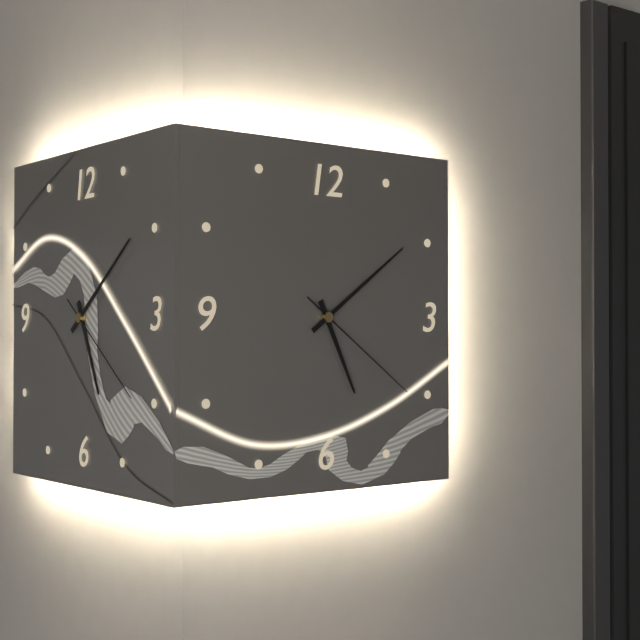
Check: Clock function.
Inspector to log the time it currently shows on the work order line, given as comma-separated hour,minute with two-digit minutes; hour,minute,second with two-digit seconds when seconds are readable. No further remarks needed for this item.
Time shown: 5,09,21
